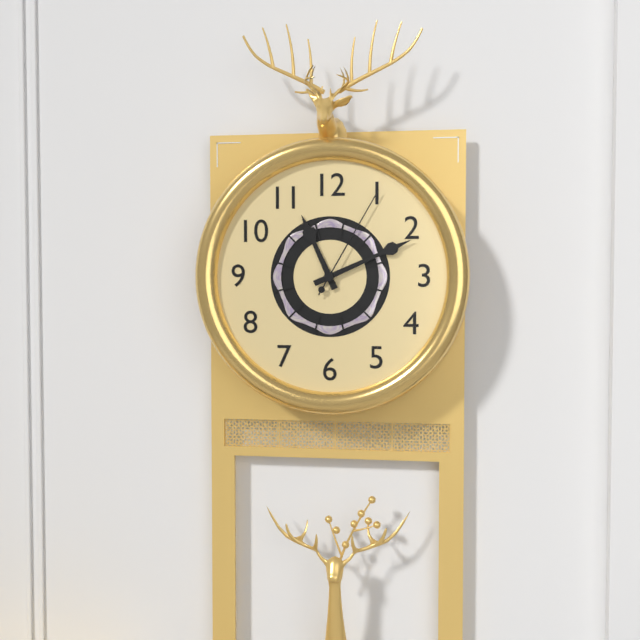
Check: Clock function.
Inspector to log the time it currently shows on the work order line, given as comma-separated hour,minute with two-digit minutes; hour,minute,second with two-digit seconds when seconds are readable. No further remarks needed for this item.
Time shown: 11,11,05
